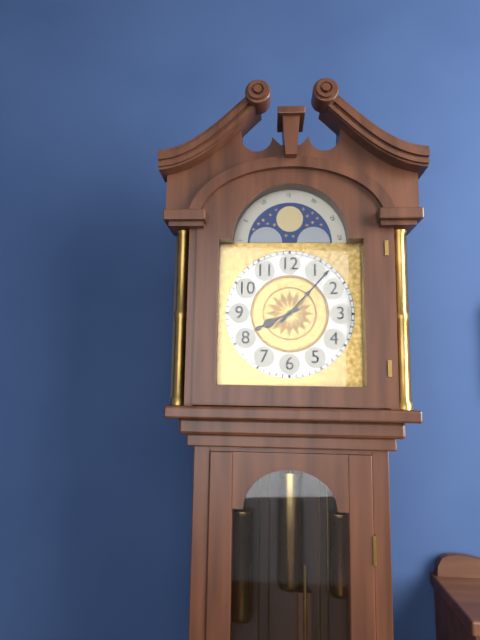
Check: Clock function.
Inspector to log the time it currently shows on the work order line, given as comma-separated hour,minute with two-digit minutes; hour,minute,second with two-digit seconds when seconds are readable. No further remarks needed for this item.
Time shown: 8,07
